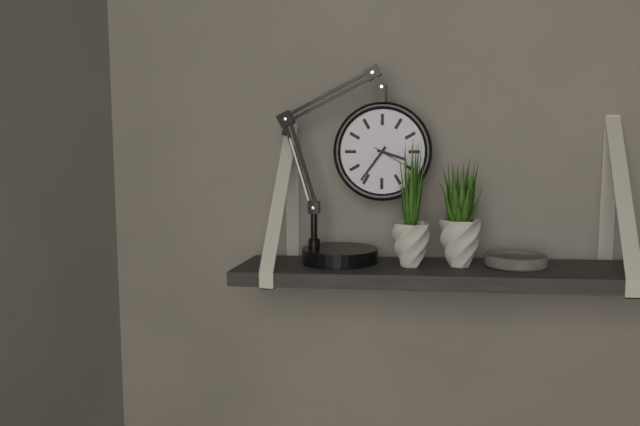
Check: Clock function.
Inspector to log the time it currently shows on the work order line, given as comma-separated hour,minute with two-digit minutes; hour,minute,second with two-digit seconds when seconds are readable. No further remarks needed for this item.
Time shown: 3,36
